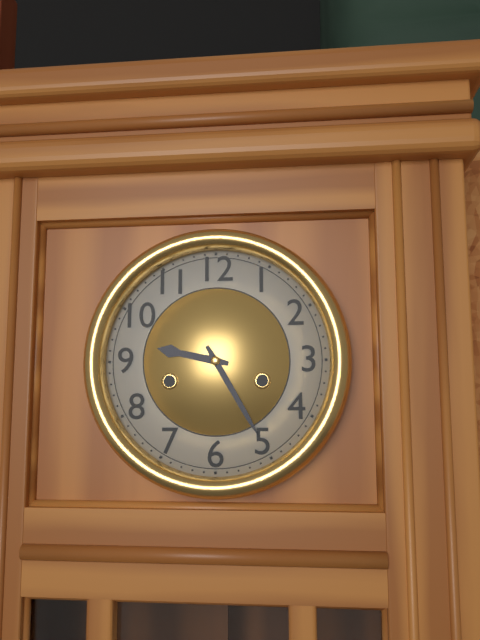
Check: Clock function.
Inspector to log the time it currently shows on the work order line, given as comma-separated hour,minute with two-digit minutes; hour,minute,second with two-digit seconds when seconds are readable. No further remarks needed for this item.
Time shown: 9,25
